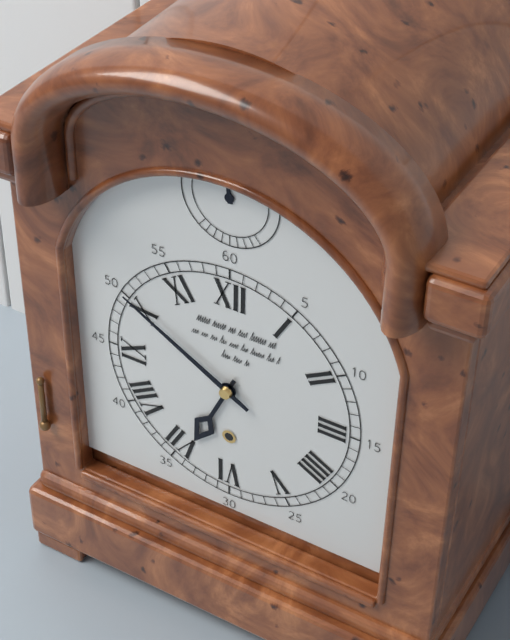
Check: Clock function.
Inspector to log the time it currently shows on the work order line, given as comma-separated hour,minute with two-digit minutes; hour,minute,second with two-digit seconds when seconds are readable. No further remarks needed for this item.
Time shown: 6,50
